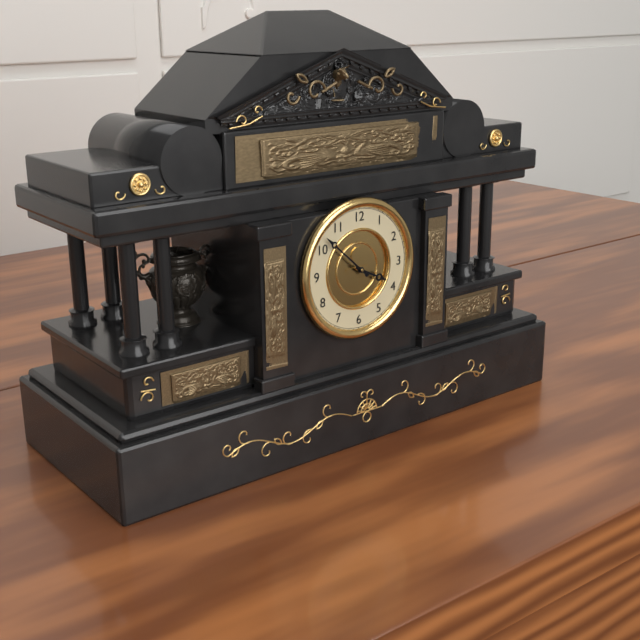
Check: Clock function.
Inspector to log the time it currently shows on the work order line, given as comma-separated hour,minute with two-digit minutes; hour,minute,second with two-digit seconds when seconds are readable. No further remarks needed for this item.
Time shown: 3,52
